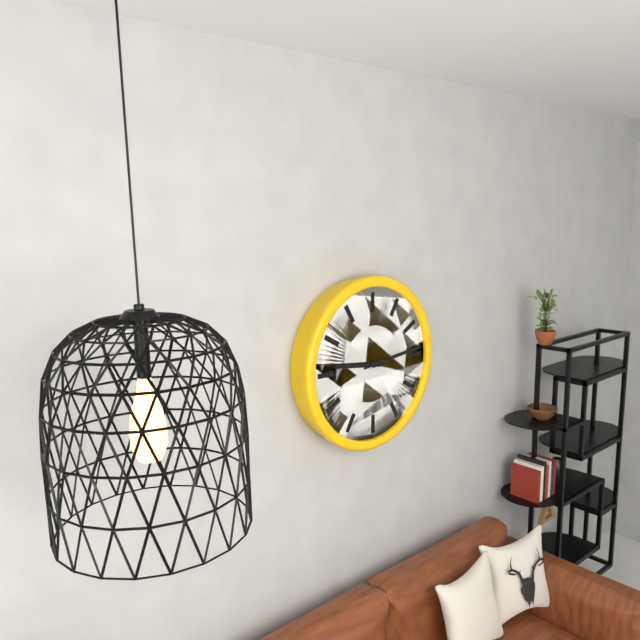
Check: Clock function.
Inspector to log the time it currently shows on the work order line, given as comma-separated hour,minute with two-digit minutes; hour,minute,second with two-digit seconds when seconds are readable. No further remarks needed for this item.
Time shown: 9,14
